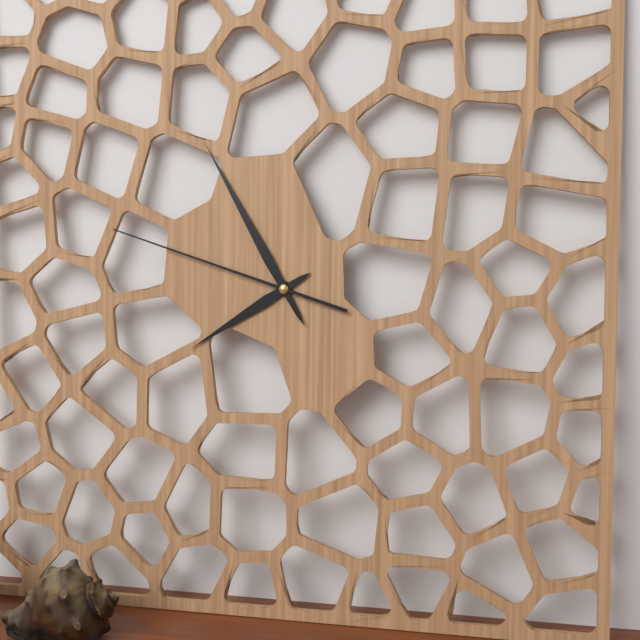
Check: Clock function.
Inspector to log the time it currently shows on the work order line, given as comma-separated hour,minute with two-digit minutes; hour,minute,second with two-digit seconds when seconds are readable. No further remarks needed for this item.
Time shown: 7,55,48
